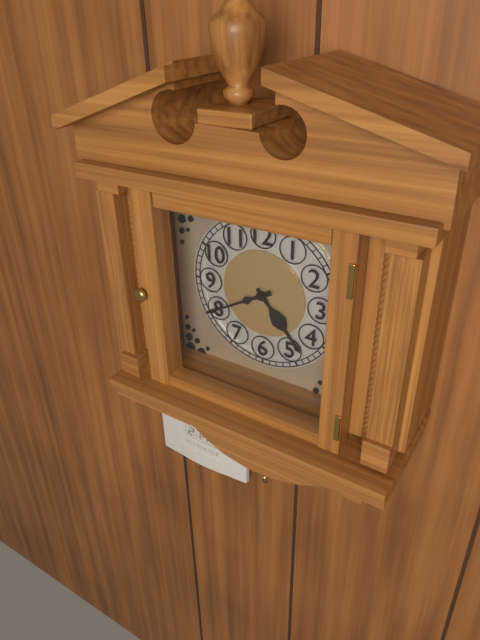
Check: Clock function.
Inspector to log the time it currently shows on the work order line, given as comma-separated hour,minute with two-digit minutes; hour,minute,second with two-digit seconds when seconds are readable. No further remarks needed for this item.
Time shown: 4,40
